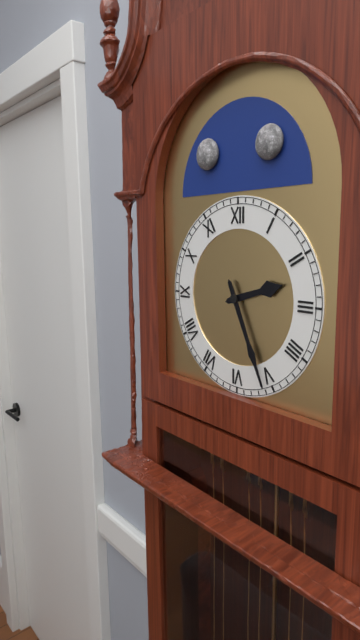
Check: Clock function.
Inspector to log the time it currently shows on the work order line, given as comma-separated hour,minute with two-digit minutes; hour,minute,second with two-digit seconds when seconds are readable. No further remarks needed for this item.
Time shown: 2,26
